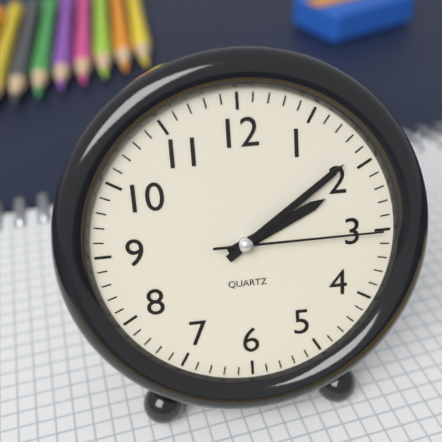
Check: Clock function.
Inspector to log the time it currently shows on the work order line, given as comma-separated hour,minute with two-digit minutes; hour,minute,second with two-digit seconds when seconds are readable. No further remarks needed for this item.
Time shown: 2,09,15
